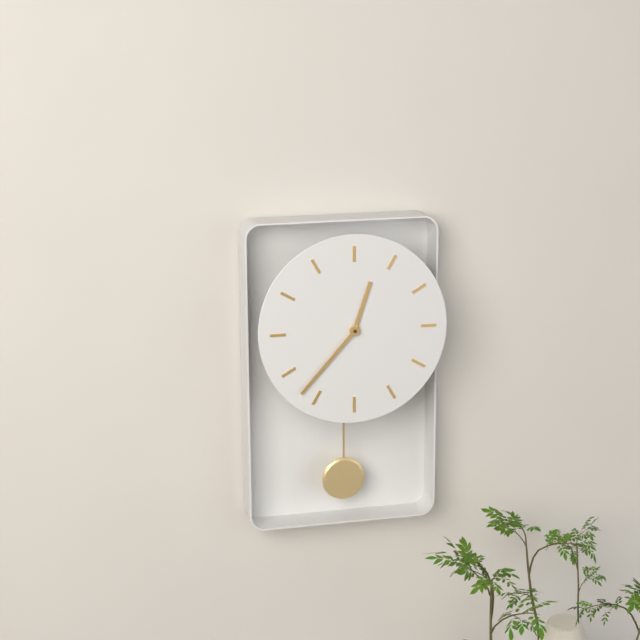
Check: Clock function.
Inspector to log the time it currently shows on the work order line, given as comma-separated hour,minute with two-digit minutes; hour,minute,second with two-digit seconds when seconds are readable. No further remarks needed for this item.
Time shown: 12,37
